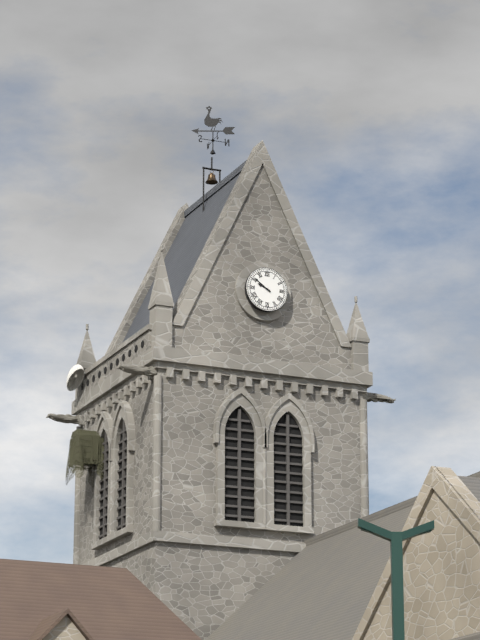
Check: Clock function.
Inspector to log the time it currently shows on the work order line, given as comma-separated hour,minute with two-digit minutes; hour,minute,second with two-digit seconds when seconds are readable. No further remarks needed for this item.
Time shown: 9,51
